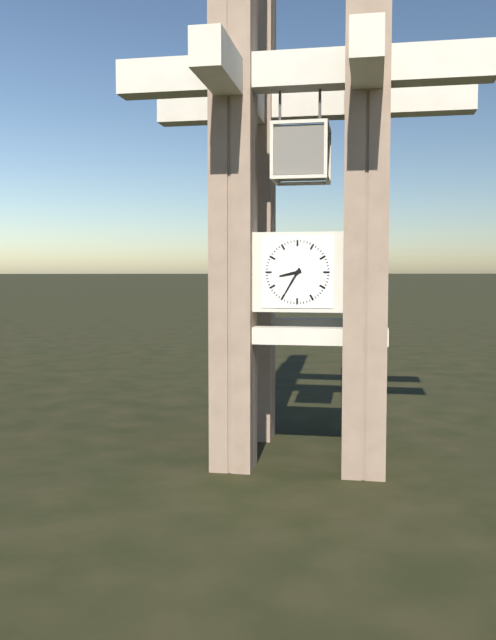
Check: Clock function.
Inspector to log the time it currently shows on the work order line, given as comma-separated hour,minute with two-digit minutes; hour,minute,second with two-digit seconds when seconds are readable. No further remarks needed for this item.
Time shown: 8,35
